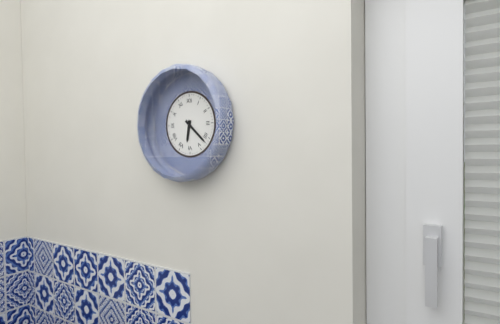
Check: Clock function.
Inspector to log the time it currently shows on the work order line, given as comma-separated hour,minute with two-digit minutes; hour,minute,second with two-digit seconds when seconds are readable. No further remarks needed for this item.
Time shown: 6,22
